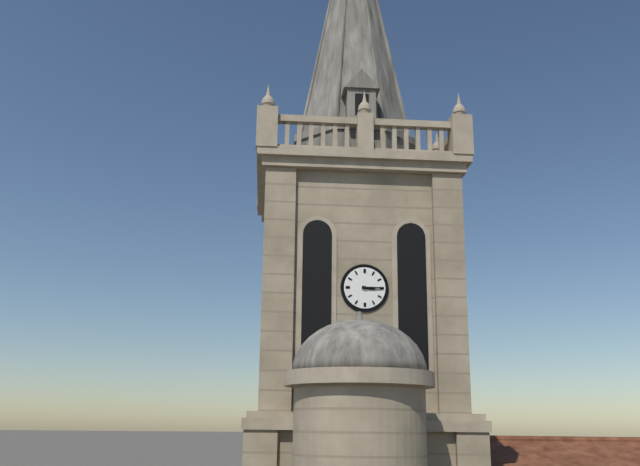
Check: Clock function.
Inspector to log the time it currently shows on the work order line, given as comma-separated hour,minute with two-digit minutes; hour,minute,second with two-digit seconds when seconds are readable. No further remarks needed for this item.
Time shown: 3,15
